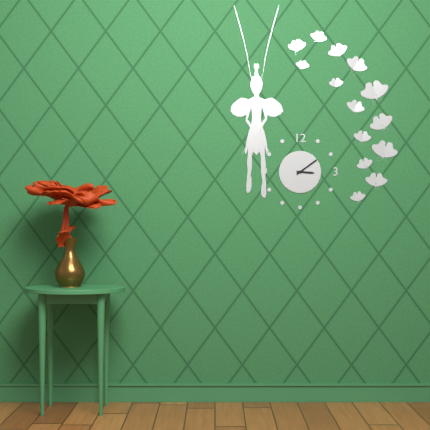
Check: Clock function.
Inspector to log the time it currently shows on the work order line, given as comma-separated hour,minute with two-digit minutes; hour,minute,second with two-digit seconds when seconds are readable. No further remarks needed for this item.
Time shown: 3,09
